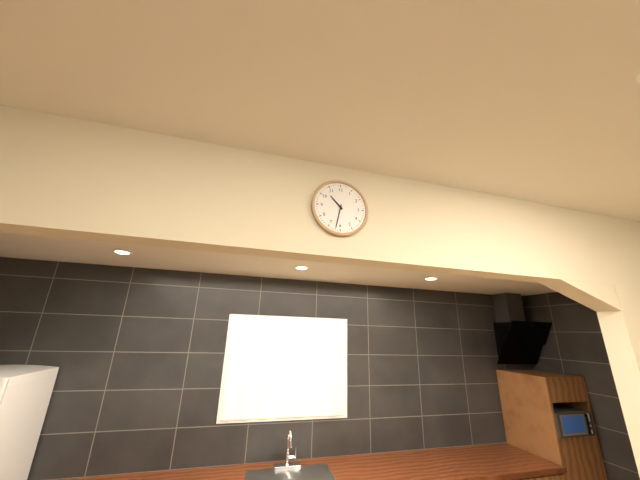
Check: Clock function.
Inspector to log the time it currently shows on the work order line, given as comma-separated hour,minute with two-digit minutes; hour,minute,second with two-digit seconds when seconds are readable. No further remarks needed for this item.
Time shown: 10,32
